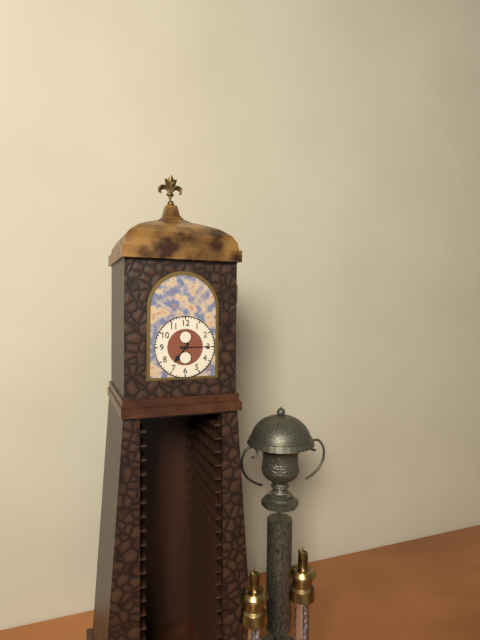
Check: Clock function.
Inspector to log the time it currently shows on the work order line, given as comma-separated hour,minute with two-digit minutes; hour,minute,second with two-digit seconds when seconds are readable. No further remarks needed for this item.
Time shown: 7,15
